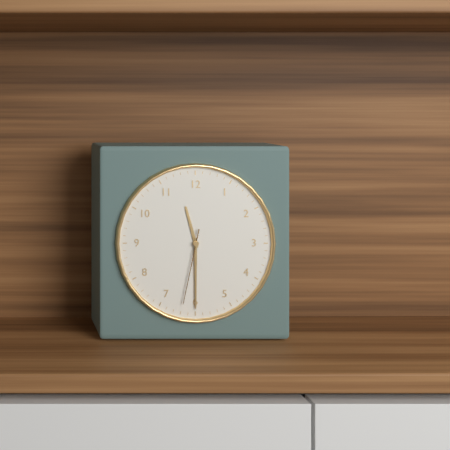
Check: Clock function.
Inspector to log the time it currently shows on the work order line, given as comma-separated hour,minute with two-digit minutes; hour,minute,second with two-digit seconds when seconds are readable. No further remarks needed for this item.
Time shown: 11,30,32
